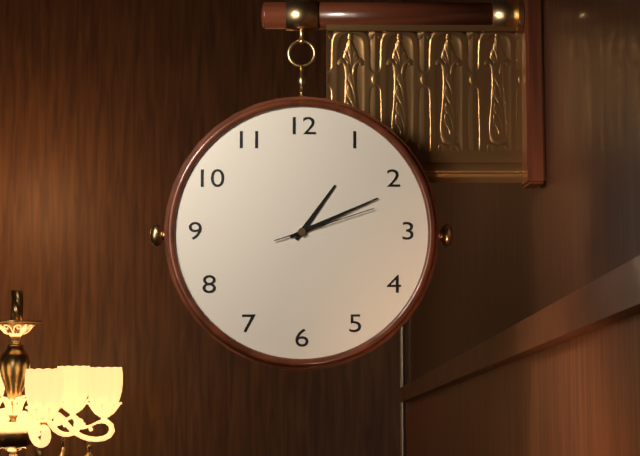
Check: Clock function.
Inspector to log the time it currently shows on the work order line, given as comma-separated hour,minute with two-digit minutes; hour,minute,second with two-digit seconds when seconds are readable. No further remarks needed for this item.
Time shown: 1,11,12
